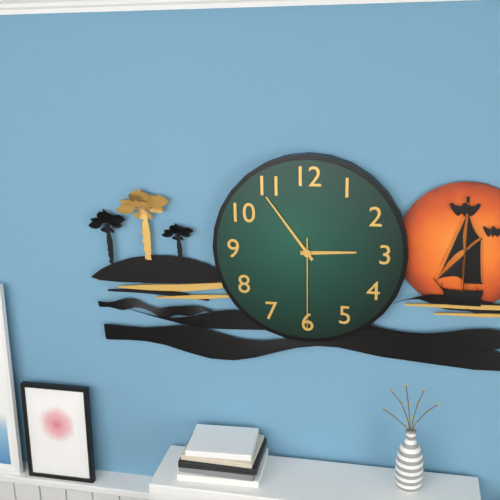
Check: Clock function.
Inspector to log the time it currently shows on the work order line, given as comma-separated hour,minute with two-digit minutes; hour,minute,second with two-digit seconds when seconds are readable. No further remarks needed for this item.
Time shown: 2,54,30
